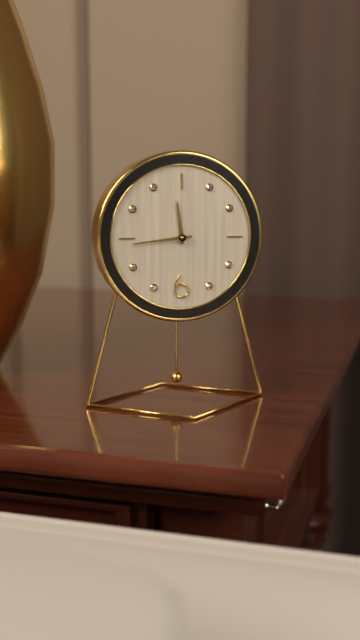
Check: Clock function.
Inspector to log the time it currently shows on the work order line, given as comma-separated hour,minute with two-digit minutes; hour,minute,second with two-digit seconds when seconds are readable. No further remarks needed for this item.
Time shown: 11,44
